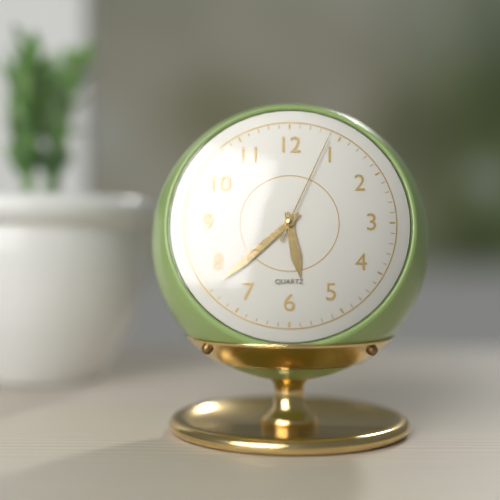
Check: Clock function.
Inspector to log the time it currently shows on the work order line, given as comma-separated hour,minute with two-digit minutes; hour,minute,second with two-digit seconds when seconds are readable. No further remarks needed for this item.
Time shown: 5,38,04
